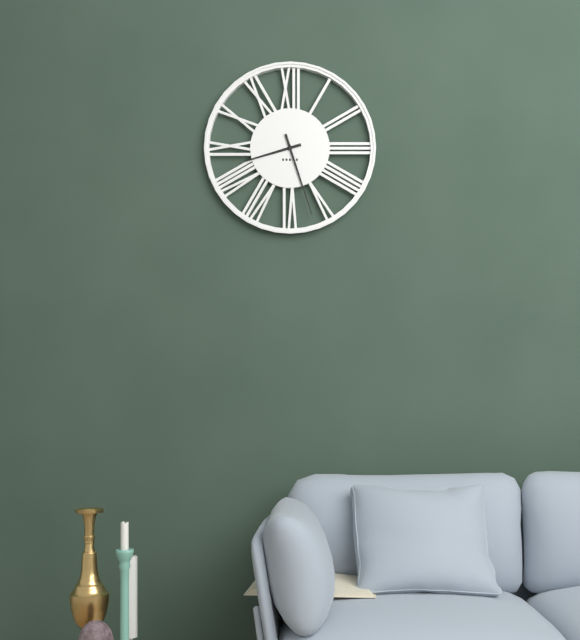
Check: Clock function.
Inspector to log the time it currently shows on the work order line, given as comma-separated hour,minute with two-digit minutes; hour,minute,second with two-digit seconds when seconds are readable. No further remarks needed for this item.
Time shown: 8,27
